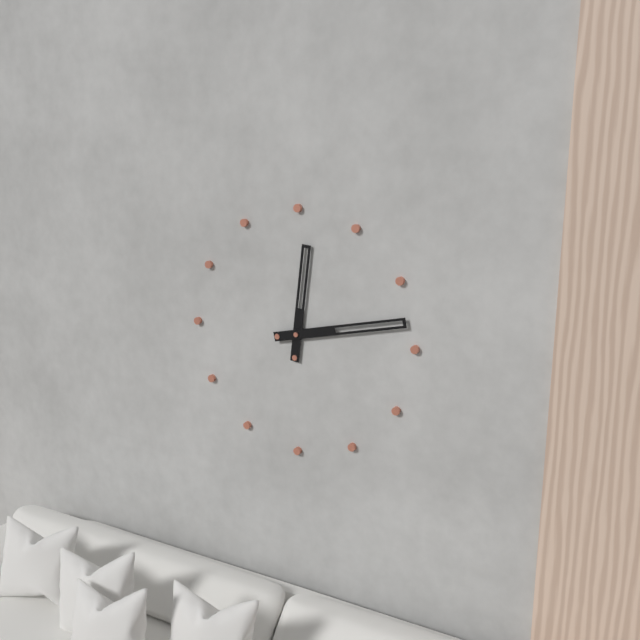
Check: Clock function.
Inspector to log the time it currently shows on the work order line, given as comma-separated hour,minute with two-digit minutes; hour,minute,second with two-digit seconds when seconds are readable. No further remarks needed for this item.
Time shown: 12,13
